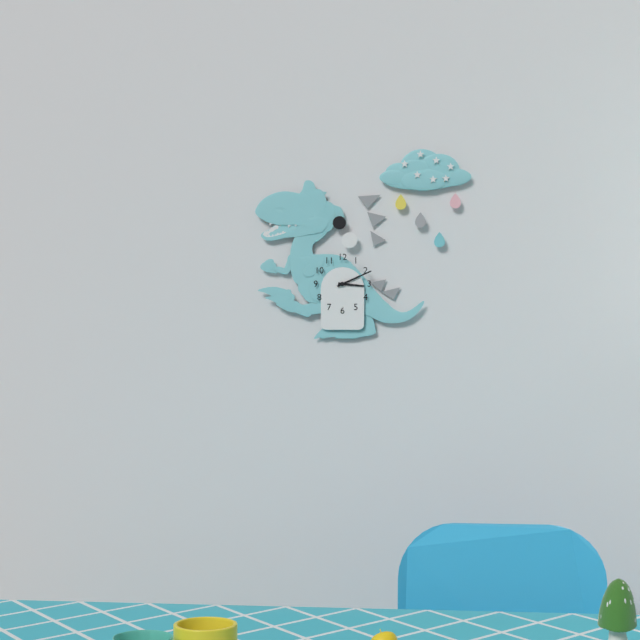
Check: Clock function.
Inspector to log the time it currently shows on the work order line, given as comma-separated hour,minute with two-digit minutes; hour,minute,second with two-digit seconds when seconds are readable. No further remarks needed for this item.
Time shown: 3,11
